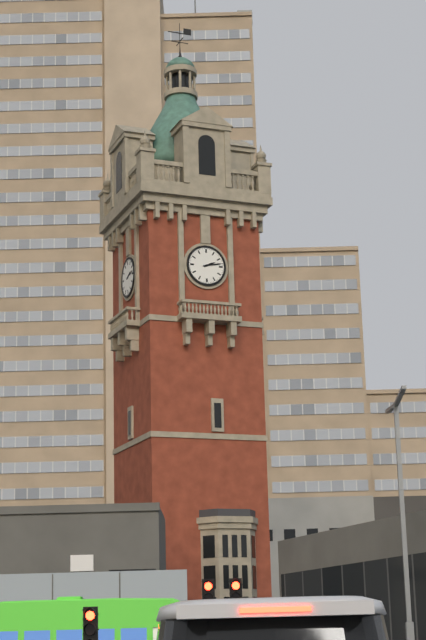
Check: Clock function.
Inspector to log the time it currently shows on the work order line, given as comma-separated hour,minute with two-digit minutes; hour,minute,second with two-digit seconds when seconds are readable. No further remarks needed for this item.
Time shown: 2,13
